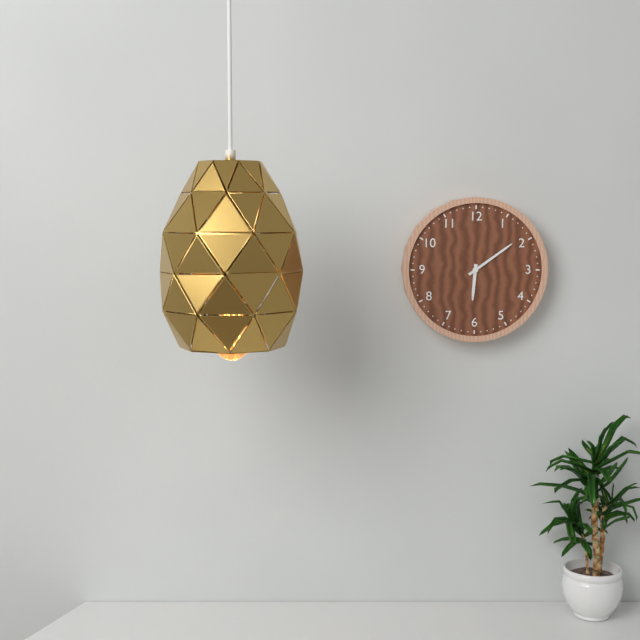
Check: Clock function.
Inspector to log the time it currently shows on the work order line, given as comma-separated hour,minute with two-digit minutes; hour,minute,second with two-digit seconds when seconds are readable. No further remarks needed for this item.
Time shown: 6,09
